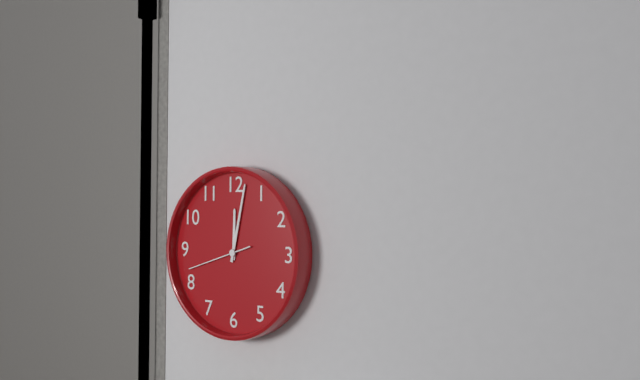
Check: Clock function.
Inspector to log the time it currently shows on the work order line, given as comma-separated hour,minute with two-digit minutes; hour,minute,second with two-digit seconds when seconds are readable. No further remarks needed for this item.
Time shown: 12,02,42
